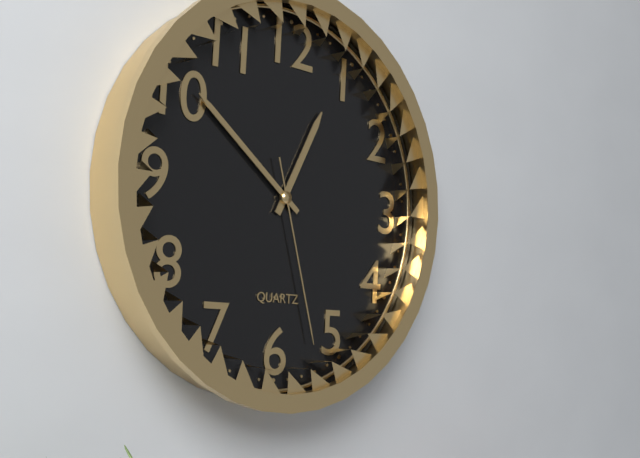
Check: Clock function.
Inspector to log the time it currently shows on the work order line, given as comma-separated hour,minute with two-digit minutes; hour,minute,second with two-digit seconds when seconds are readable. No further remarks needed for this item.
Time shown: 12,51,27
